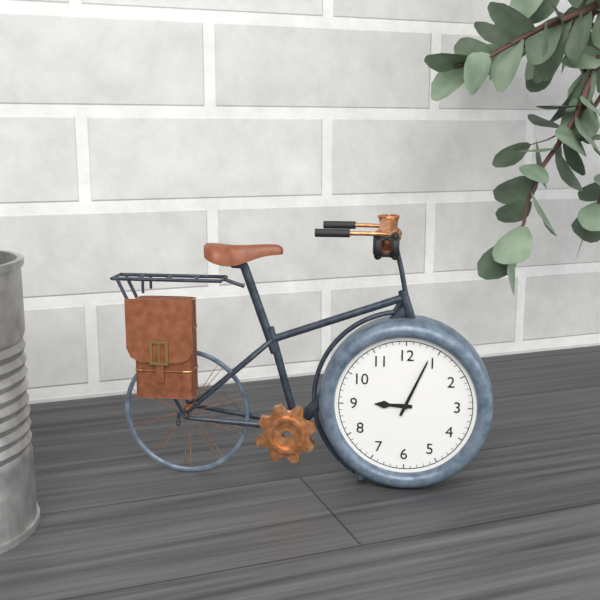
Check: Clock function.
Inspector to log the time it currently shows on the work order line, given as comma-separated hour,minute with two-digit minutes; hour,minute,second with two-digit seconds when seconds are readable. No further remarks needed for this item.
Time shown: 9,04
